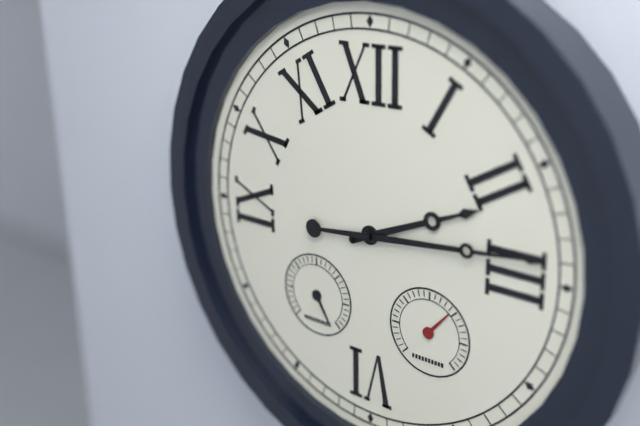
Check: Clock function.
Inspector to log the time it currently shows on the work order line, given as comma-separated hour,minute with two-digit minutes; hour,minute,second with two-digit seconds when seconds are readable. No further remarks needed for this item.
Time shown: 2,14
